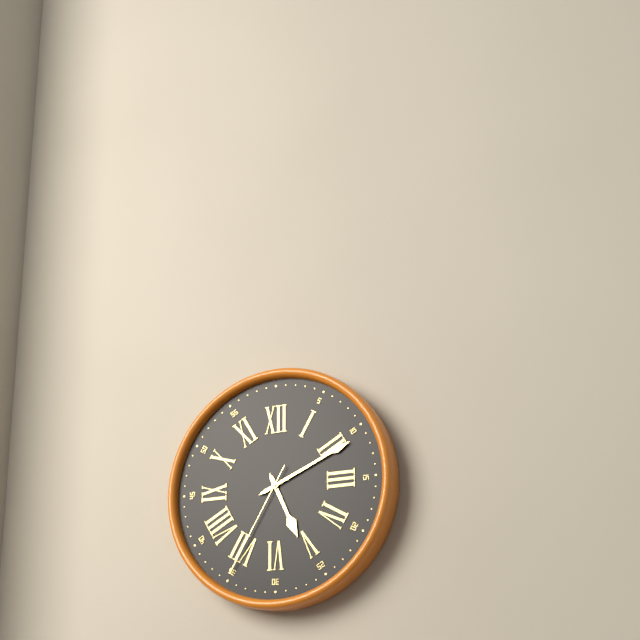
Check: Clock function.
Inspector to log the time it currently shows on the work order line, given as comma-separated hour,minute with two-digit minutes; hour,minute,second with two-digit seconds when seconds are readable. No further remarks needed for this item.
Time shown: 5,11,35
